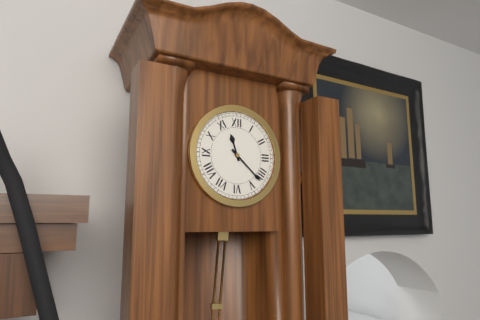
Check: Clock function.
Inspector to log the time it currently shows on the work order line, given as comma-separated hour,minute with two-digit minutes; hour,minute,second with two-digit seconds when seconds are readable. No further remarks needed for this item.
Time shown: 11,22
